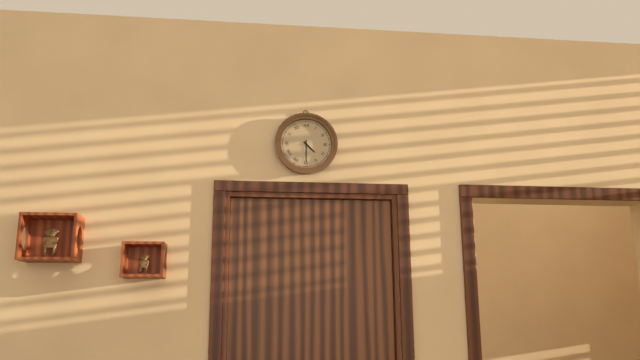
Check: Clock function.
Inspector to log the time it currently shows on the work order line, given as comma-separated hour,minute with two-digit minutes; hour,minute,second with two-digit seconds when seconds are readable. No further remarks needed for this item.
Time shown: 4,30
